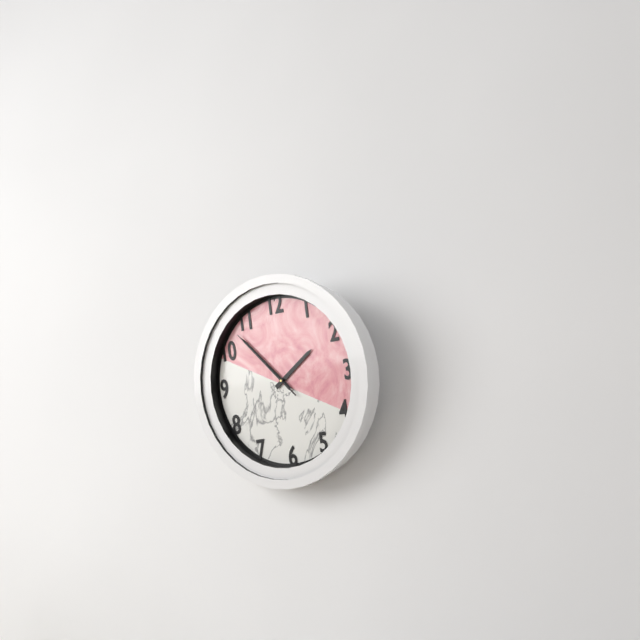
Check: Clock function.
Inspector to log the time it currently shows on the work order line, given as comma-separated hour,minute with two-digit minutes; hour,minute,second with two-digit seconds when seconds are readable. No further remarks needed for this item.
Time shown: 1,53,53
